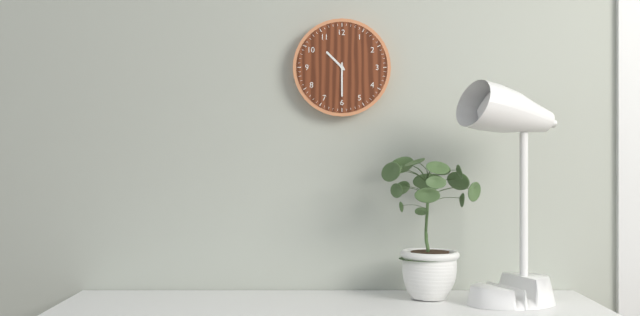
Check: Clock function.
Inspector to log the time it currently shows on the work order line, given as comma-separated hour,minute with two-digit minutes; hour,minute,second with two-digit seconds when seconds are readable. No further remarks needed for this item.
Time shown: 10,30
